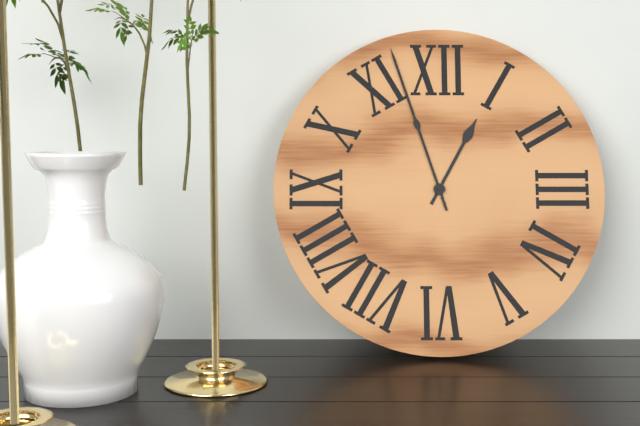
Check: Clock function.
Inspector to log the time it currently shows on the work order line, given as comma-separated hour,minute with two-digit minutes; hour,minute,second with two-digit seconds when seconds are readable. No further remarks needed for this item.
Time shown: 12,57
